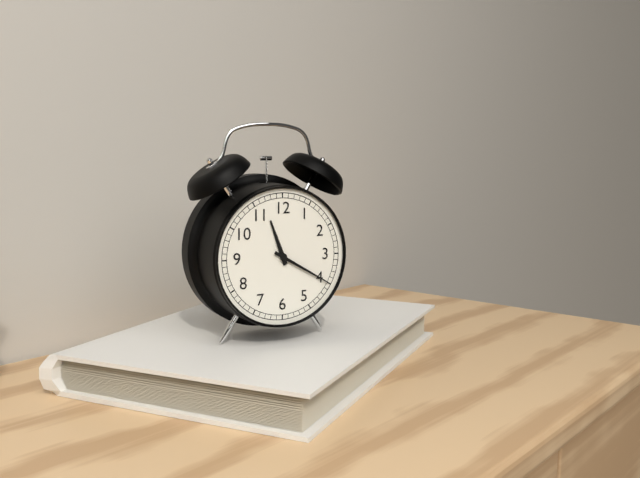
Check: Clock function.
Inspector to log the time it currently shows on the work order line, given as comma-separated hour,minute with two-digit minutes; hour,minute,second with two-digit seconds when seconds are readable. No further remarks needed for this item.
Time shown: 11,20
